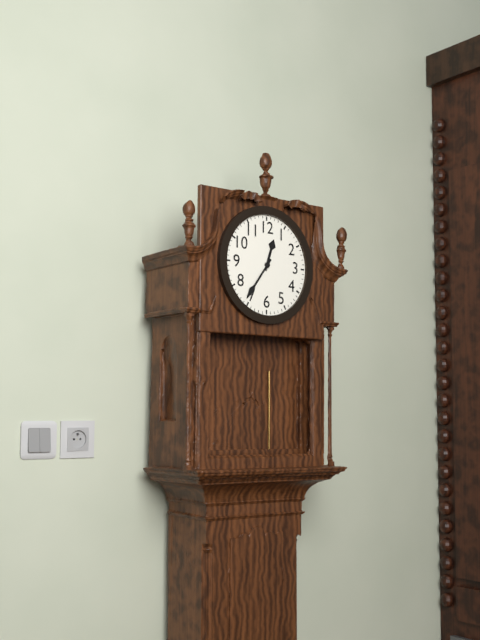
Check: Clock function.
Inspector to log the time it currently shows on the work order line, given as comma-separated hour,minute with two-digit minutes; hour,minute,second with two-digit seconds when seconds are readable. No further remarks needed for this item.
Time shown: 12,36
